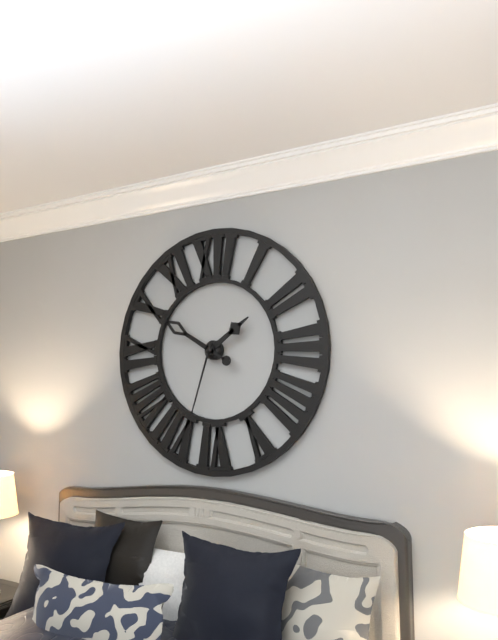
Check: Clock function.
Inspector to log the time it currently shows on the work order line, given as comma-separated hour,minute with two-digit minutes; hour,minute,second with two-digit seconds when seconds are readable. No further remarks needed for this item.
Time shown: 1,50,33
